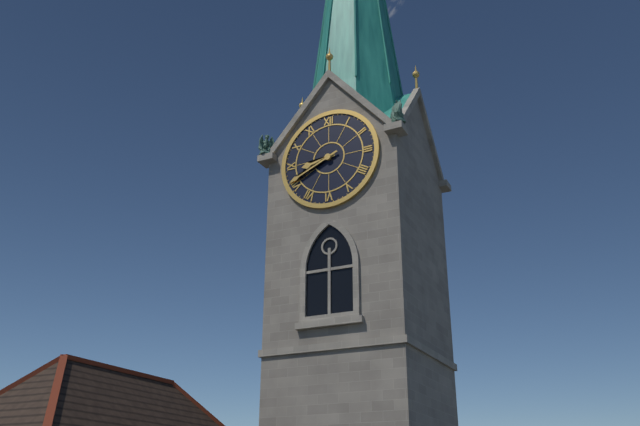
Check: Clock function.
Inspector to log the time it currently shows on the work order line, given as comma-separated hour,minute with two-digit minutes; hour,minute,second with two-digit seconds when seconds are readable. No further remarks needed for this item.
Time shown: 8,41
